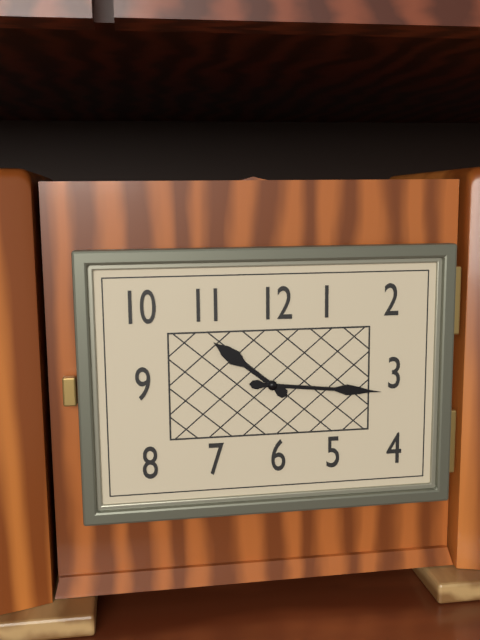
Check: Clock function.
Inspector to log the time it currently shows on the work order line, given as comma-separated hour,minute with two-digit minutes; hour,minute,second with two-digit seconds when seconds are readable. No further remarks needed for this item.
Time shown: 10,16
